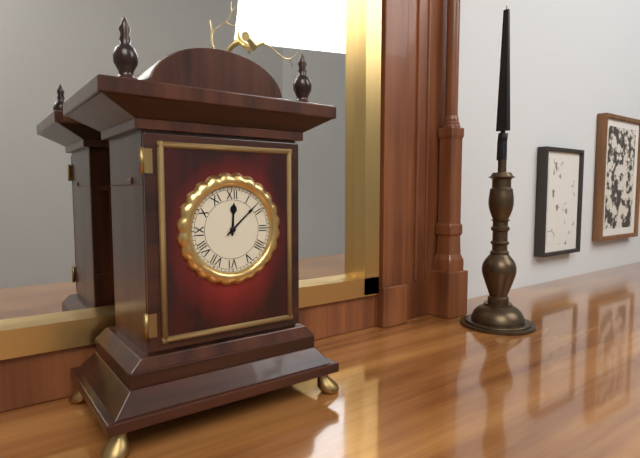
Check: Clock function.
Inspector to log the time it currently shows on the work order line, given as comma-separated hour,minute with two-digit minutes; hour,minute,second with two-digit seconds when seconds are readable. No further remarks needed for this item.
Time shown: 12,08
